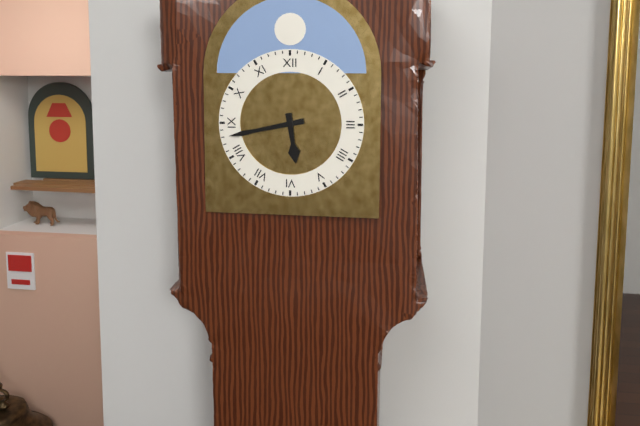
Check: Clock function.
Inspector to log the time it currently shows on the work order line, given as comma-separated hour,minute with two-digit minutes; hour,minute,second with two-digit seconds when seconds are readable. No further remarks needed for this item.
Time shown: 5,43
